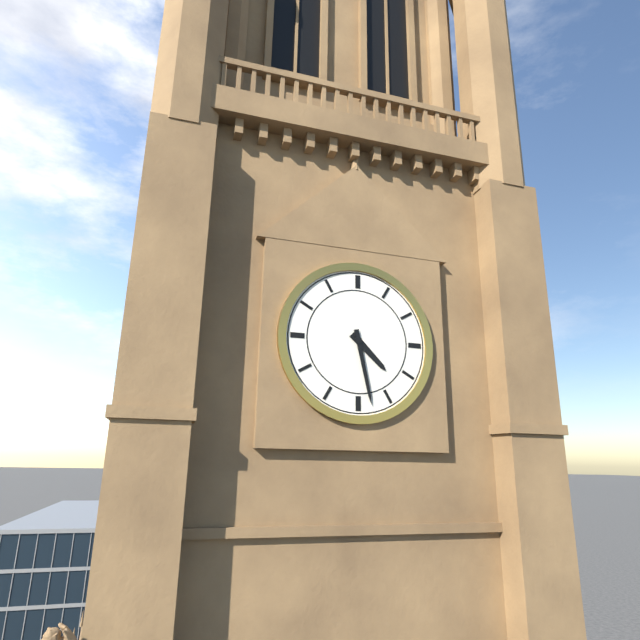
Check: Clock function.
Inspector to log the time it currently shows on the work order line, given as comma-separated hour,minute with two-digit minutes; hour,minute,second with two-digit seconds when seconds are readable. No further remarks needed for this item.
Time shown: 4,28
